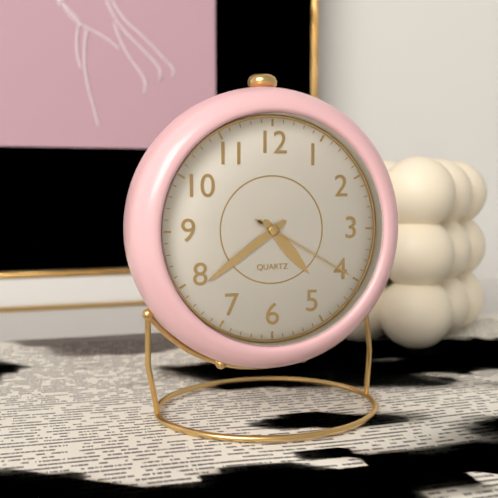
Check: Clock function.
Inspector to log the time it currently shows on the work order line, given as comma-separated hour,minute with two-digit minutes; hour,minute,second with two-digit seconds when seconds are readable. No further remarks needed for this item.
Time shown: 4,39,20
